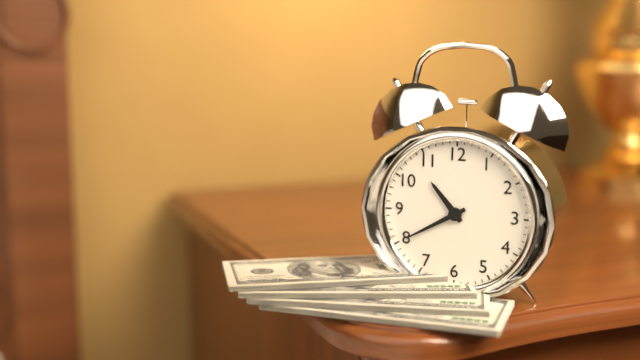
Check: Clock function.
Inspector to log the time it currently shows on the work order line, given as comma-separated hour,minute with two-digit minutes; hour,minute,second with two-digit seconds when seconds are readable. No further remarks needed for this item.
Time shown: 10,40
